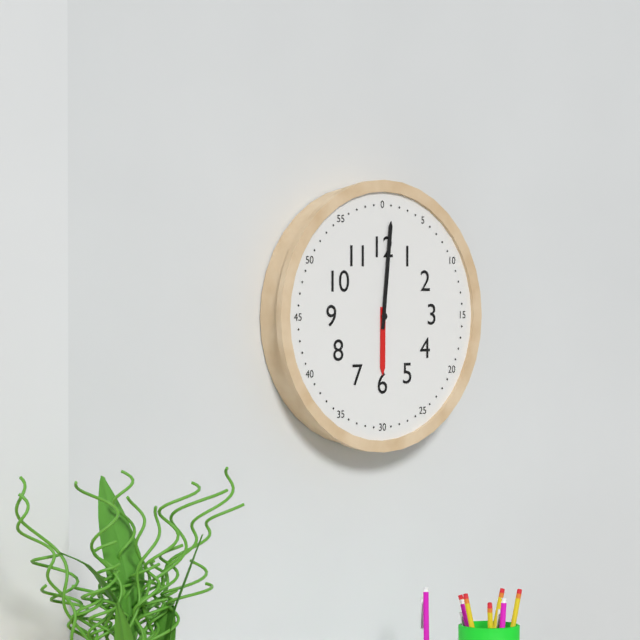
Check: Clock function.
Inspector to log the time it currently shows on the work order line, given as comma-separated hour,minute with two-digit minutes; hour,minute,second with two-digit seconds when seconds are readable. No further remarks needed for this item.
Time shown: 6,01
